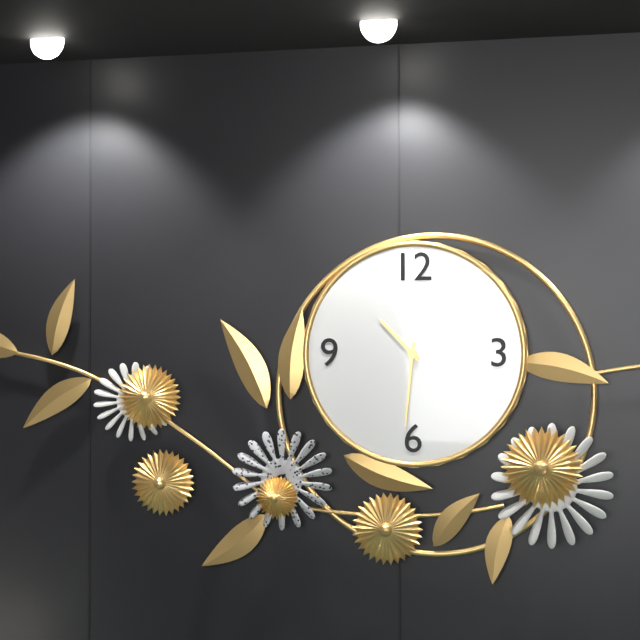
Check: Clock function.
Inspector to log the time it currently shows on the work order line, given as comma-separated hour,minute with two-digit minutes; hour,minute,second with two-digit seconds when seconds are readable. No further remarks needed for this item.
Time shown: 10,31
